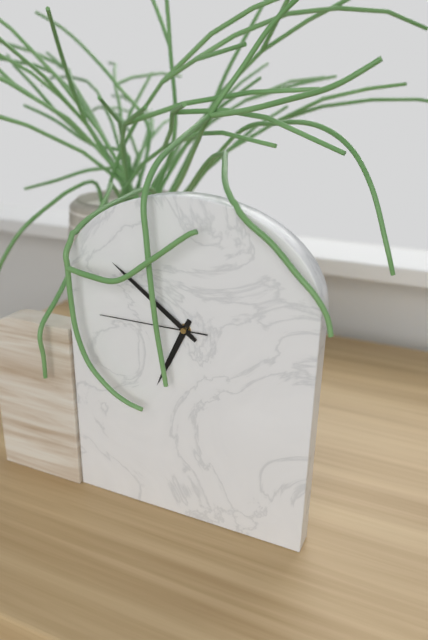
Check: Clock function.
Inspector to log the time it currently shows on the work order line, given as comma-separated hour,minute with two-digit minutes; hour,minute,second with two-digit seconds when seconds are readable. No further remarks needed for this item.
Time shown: 6,51,45
